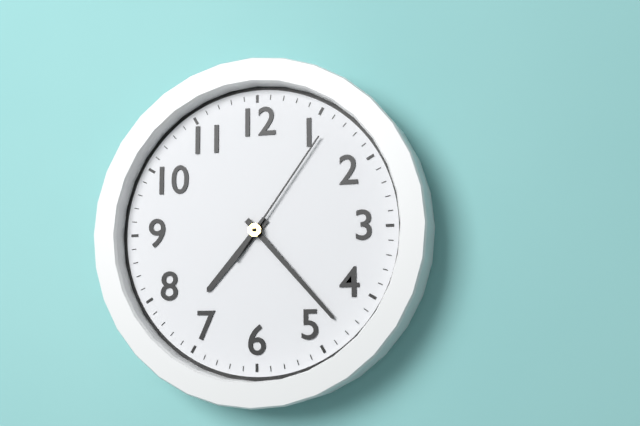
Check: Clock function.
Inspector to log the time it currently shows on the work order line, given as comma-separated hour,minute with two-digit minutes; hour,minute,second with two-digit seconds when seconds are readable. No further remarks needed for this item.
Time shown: 7,23,06
